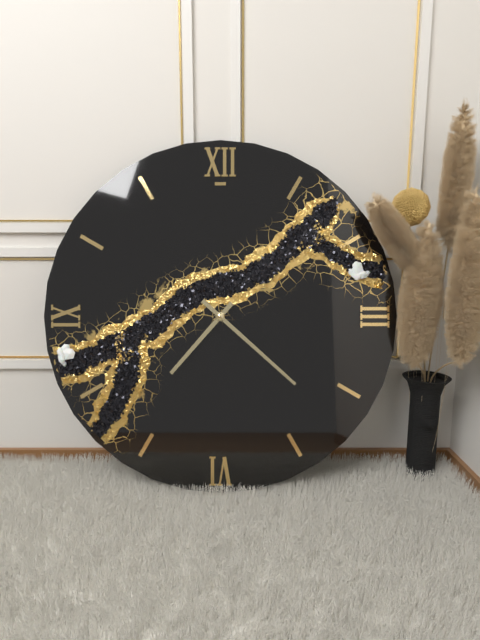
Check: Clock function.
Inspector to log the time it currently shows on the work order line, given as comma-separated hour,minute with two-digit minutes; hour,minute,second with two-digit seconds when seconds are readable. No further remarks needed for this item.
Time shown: 7,22
